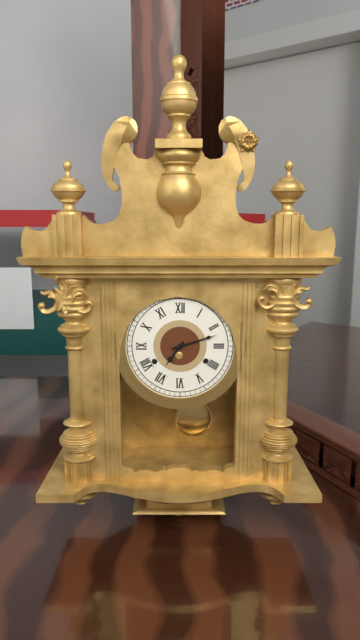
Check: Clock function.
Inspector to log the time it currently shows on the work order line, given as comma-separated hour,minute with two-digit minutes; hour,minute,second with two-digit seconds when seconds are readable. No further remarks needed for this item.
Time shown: 7,12
